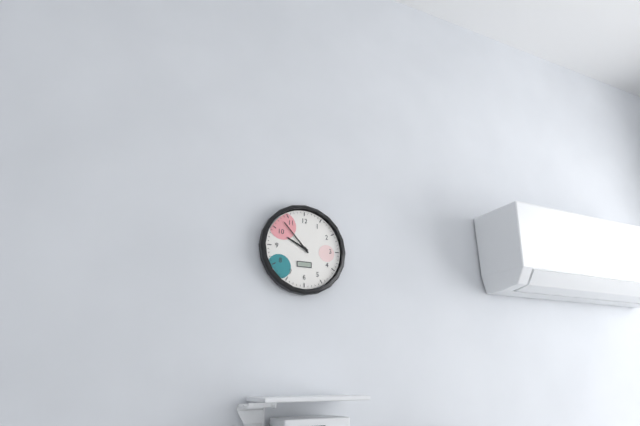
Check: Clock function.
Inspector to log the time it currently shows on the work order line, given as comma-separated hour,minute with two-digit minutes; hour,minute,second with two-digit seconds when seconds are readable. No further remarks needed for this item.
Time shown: 9,53
